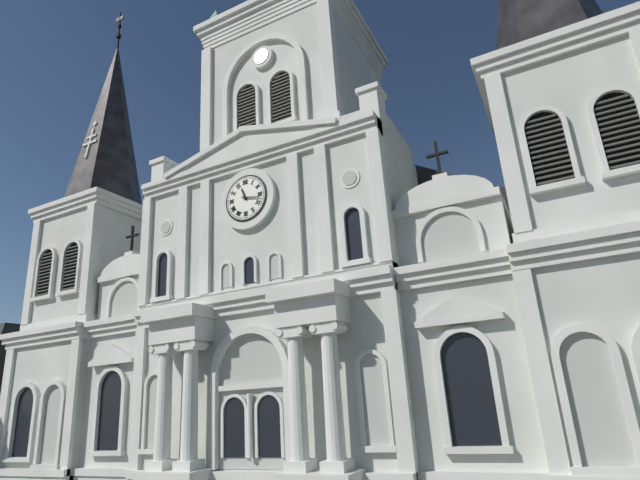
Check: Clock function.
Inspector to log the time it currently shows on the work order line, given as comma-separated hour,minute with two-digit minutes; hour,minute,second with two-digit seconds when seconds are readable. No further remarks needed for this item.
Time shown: 11,17
